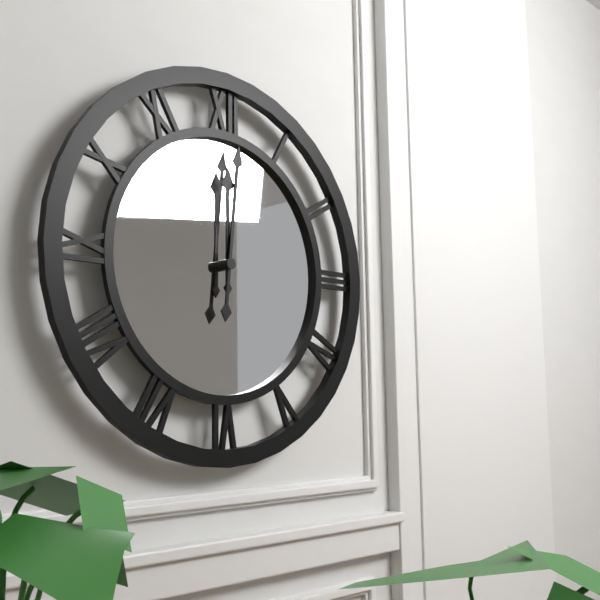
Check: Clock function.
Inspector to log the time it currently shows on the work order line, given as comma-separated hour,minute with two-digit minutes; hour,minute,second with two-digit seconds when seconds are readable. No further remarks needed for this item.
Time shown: 12,01
